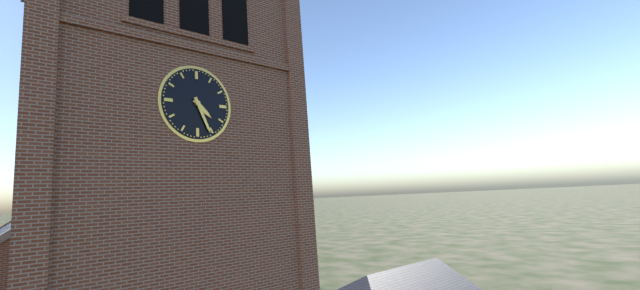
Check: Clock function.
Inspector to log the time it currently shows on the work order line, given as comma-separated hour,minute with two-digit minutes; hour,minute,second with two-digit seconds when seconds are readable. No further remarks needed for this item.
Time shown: 4,26
